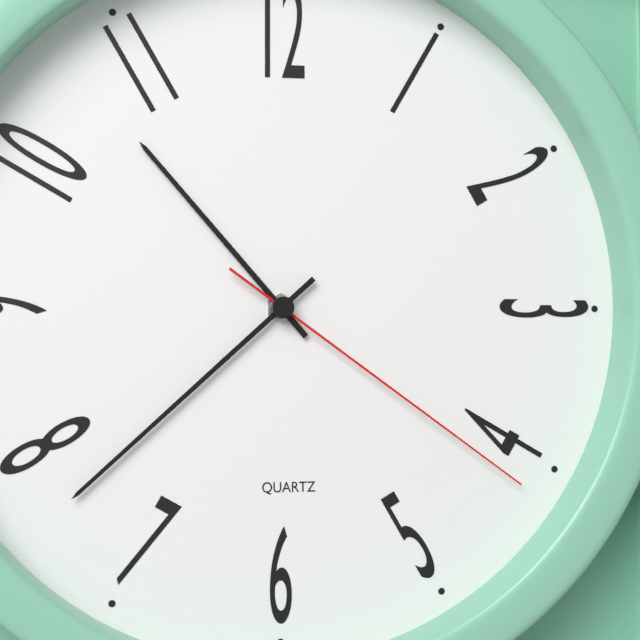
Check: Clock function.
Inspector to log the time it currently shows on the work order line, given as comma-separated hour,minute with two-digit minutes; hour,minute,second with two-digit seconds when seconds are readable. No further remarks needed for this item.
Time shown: 10,38,21
